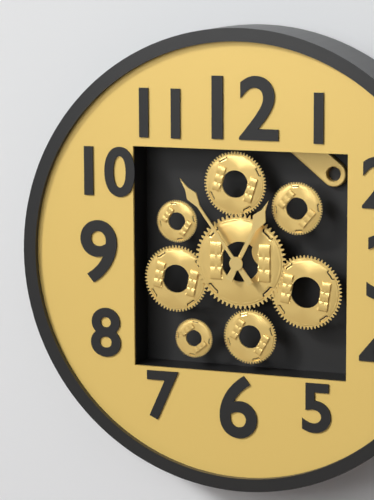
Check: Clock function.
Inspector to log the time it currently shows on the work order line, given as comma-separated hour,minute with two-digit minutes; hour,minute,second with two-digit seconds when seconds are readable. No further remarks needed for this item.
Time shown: 12,54
